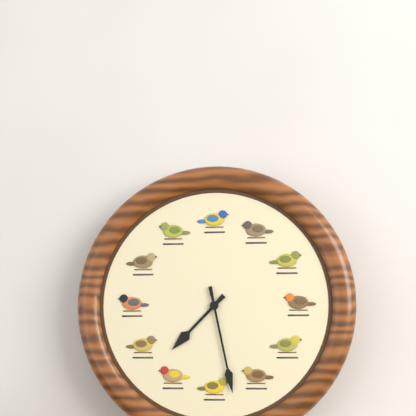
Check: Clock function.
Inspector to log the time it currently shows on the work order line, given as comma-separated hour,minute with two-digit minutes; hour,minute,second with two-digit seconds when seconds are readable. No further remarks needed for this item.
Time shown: 7,28
